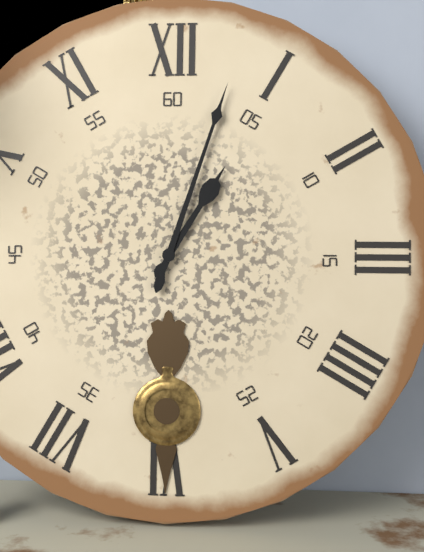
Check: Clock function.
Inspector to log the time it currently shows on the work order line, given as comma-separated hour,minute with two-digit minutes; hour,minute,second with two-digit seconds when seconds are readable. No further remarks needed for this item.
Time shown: 1,03
